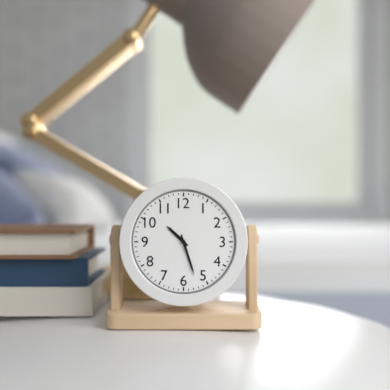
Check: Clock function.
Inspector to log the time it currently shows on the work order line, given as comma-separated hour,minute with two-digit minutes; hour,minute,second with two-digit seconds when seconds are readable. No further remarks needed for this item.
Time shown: 10,27
